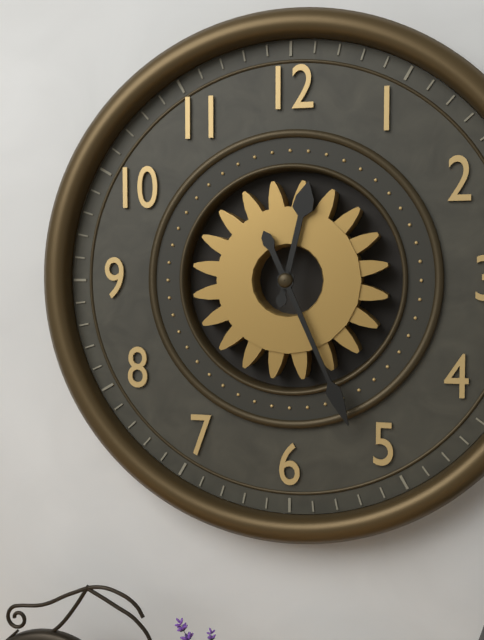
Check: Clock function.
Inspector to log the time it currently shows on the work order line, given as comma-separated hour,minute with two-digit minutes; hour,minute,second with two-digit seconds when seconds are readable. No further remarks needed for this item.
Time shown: 12,26
